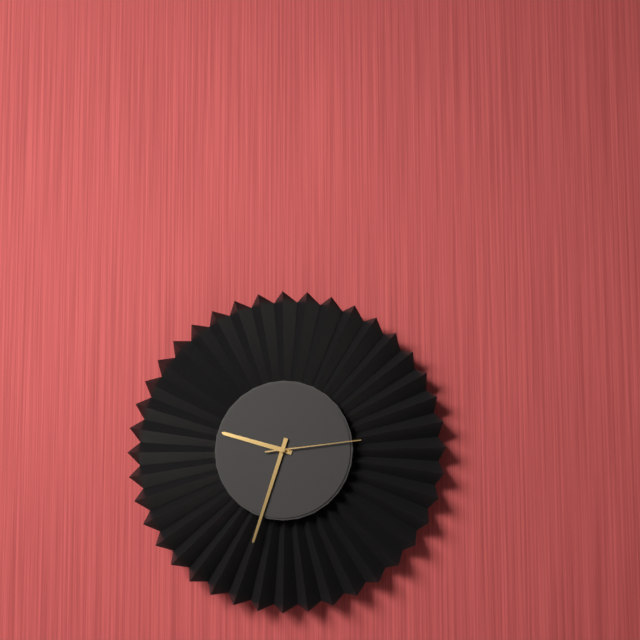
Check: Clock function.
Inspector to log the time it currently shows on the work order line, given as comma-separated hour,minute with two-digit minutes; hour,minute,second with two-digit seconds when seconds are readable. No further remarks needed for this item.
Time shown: 9,33,14
